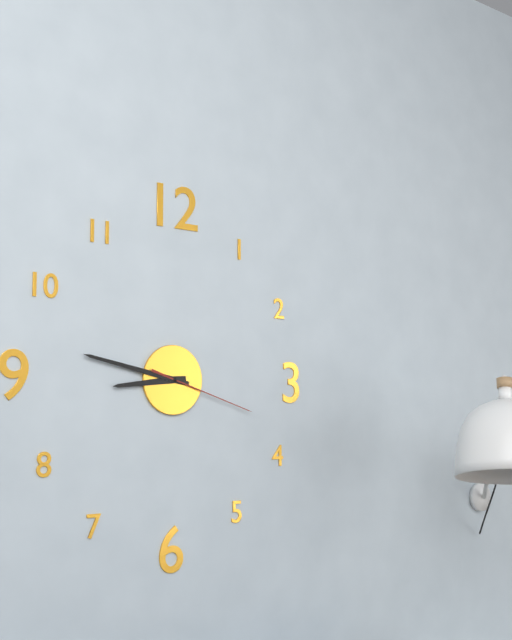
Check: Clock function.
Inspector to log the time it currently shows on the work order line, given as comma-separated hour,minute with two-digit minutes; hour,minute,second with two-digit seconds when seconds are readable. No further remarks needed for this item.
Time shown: 8,47,18
